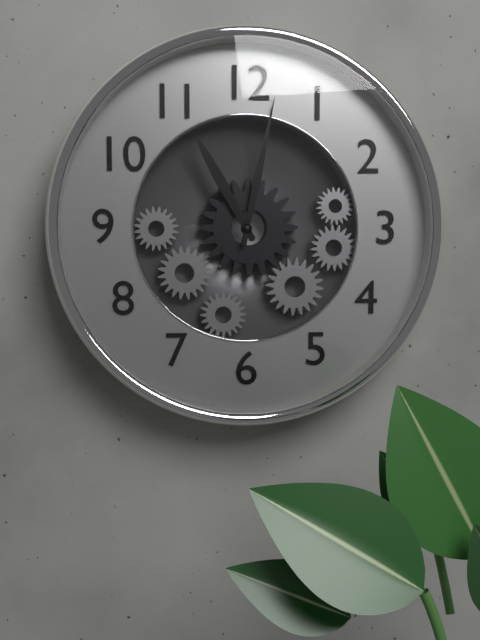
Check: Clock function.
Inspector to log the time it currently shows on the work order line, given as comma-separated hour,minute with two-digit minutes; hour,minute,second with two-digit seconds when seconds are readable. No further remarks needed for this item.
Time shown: 11,02
